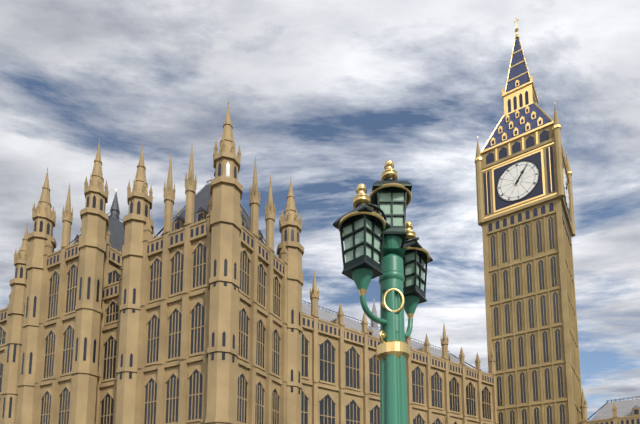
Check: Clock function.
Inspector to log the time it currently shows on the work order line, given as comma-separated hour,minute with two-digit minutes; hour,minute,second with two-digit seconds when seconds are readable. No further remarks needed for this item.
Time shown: 1,06
